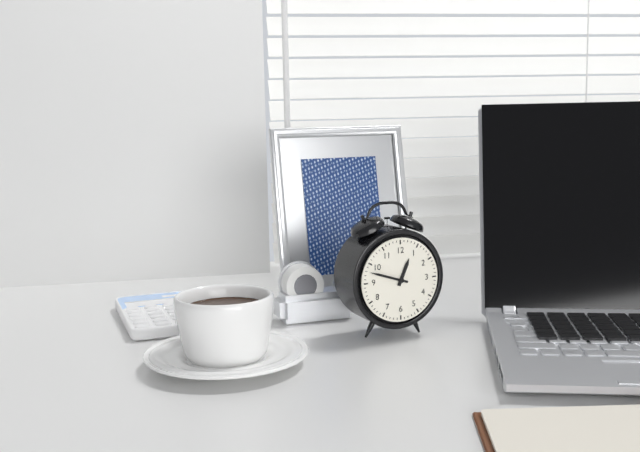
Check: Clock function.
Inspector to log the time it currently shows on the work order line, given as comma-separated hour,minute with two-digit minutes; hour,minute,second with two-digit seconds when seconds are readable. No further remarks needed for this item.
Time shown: 12,48
